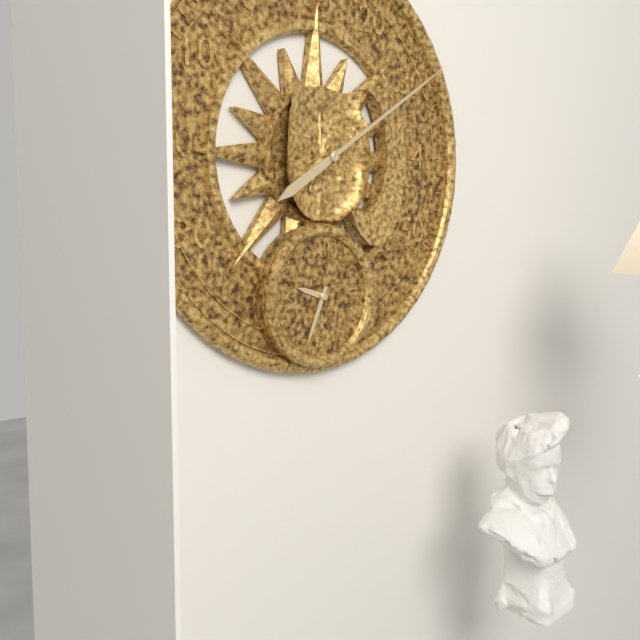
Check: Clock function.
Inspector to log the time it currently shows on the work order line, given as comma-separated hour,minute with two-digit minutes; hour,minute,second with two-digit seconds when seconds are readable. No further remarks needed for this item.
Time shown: 9,34
